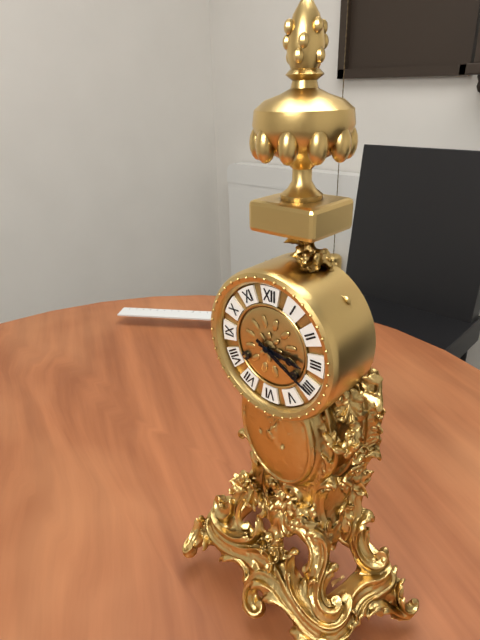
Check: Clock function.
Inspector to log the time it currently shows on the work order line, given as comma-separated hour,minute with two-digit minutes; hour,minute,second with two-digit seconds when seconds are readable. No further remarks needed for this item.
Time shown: 3,20
